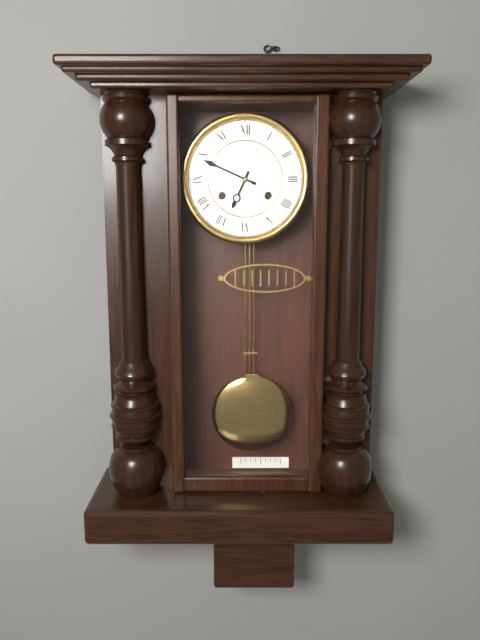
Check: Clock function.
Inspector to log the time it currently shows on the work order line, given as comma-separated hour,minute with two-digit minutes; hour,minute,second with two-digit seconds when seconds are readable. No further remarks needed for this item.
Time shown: 6,49
